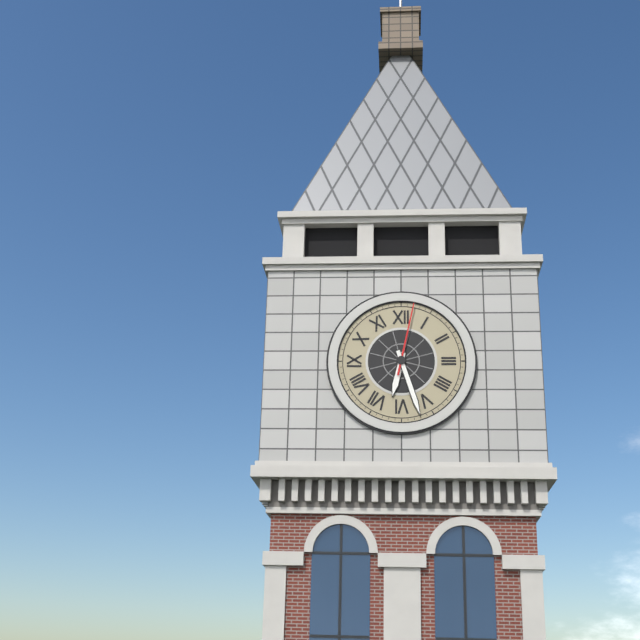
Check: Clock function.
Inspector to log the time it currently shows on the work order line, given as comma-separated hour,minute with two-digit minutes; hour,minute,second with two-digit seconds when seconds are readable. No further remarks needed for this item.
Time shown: 6,27,02
